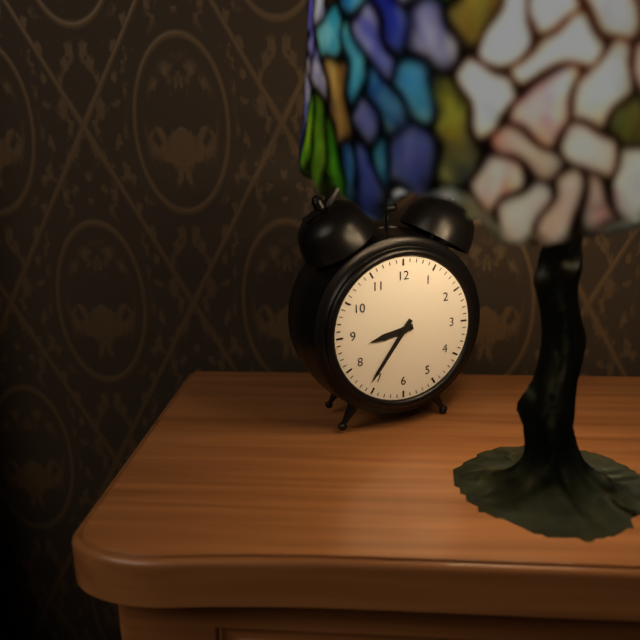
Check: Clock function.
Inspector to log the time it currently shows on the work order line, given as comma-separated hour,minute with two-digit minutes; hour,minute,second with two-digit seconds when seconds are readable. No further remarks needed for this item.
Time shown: 8,36
